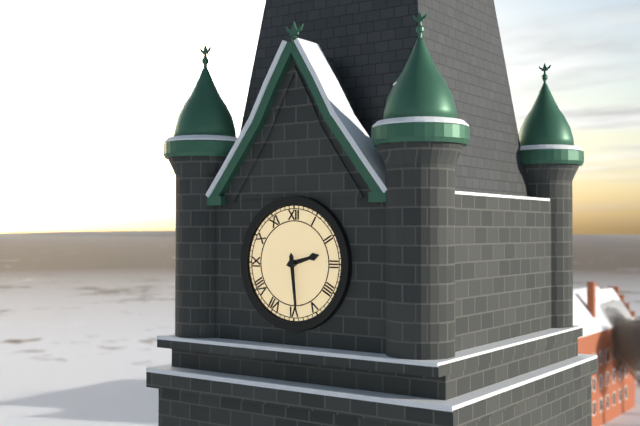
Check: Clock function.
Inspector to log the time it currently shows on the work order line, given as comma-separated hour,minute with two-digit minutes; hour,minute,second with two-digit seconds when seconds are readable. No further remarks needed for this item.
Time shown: 2,29
